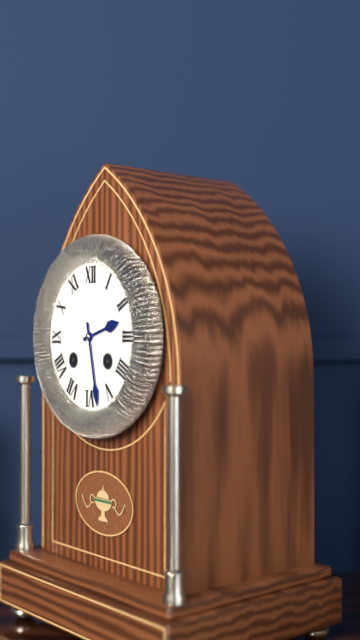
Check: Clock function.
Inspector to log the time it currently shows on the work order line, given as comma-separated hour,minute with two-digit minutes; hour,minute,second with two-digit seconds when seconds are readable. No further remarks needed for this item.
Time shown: 2,28
